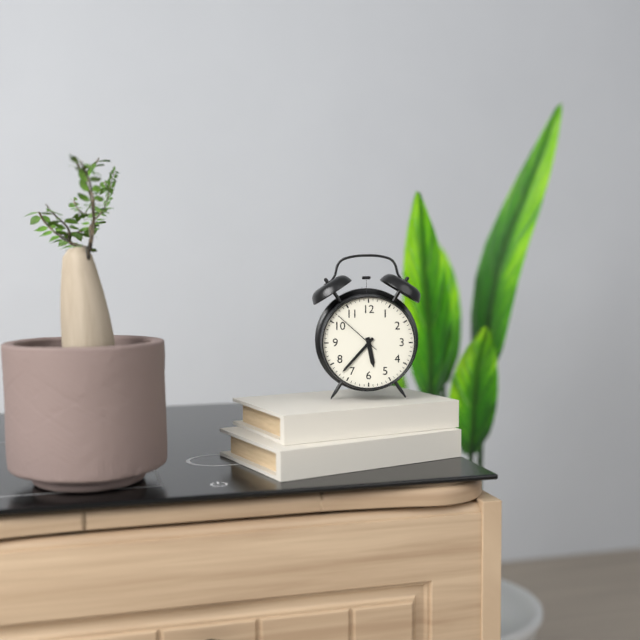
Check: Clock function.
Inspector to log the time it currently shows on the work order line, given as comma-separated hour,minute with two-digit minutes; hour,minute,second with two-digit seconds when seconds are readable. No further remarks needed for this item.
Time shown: 5,37,52
